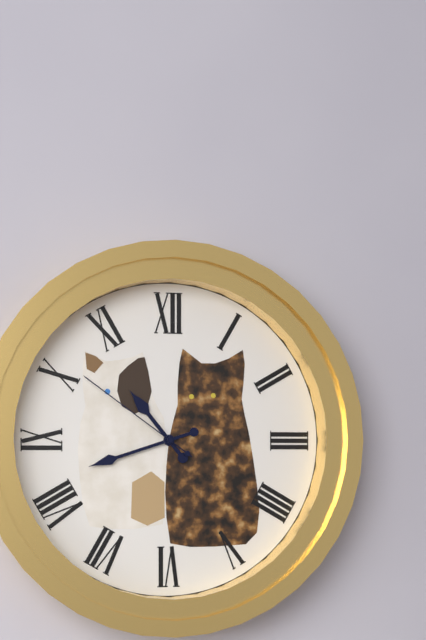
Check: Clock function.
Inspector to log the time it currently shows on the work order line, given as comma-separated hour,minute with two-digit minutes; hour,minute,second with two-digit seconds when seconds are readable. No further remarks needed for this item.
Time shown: 10,42,51
